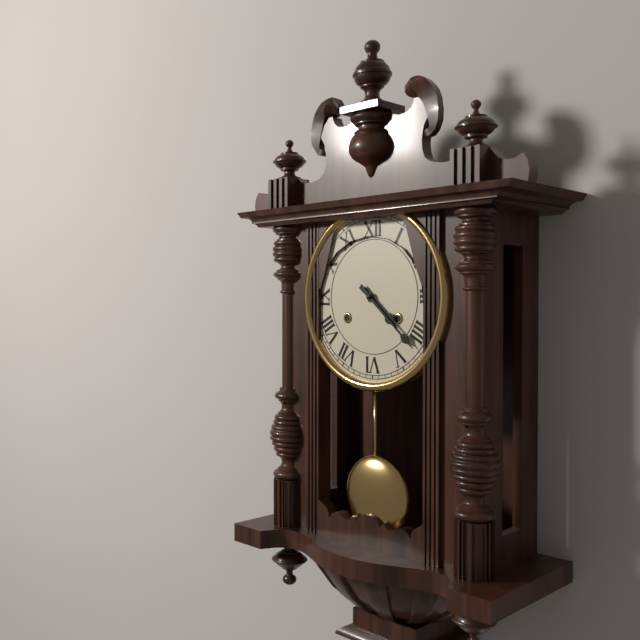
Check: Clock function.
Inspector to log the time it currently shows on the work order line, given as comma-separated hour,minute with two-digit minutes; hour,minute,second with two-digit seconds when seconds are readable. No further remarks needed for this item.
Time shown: 4,22
